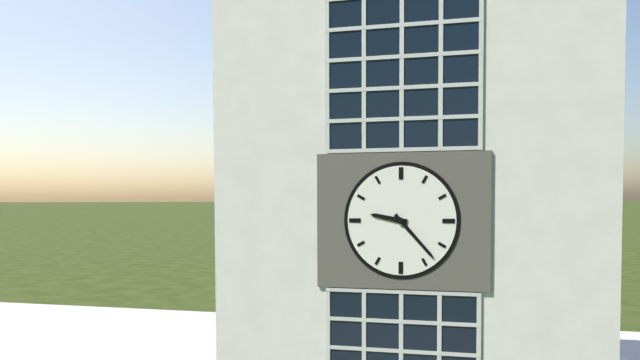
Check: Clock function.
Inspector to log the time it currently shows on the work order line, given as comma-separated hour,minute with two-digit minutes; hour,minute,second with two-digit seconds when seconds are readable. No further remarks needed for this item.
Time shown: 9,23
